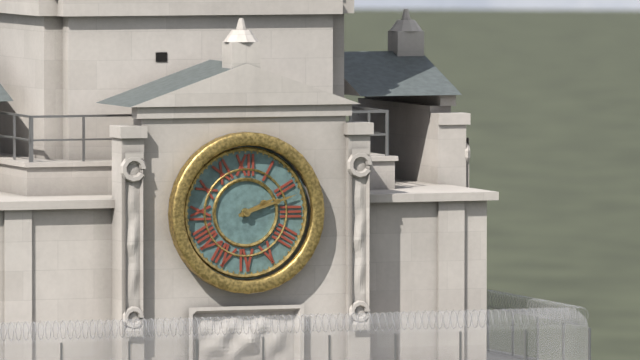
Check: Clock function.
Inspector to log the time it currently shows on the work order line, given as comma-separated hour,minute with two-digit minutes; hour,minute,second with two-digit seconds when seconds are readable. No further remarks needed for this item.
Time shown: 2,12
